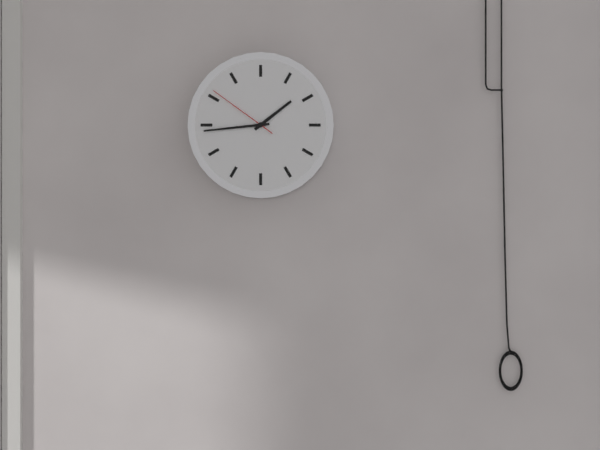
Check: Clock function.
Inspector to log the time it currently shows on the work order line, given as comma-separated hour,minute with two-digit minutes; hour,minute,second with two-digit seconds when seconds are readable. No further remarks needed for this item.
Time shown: 1,44,51
